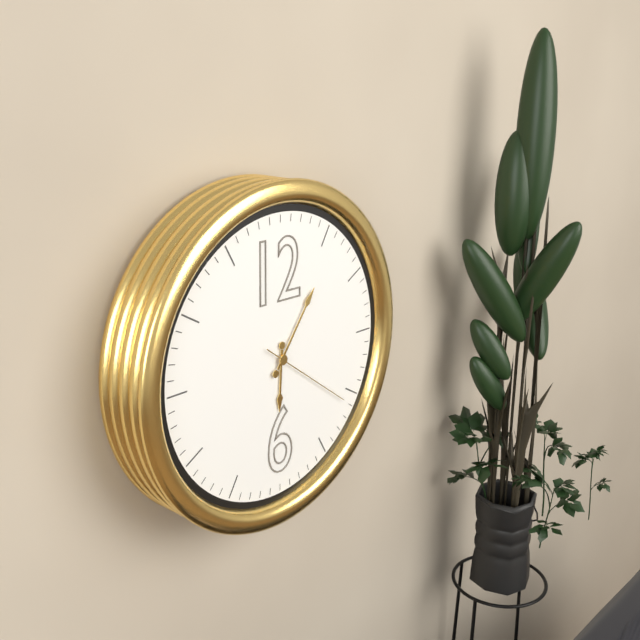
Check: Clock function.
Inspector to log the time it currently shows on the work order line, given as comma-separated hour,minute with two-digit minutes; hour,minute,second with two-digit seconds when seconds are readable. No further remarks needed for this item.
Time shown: 6,06,21
